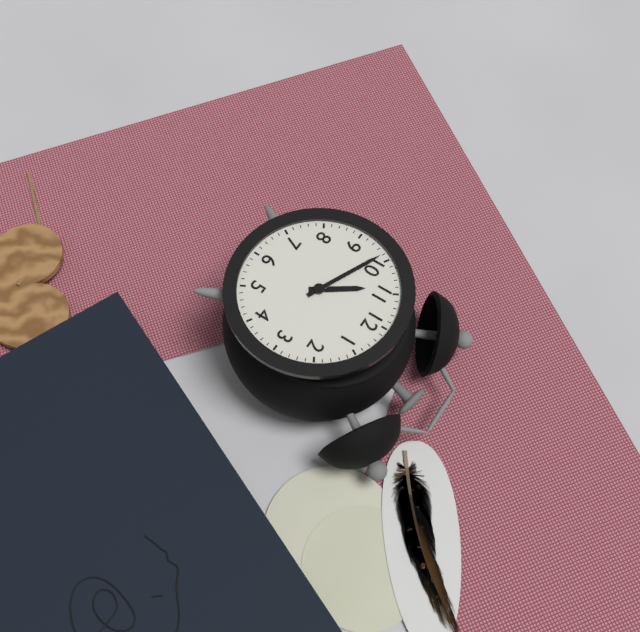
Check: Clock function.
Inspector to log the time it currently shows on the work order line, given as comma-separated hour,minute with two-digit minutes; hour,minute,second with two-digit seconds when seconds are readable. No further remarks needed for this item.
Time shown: 10,49
